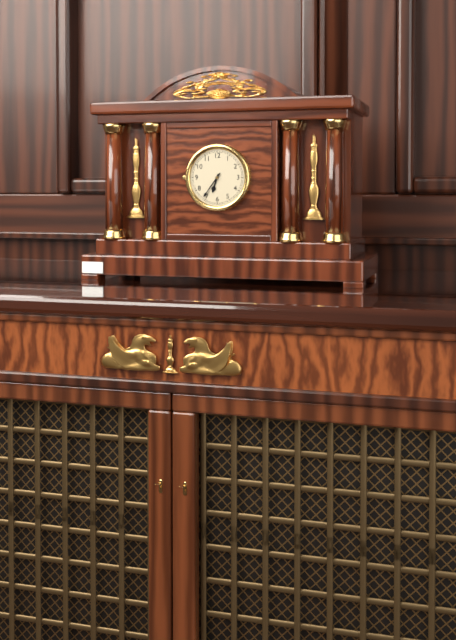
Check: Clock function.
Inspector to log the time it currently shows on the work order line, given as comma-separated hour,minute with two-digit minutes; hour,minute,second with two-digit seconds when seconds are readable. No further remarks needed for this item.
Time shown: 6,36
